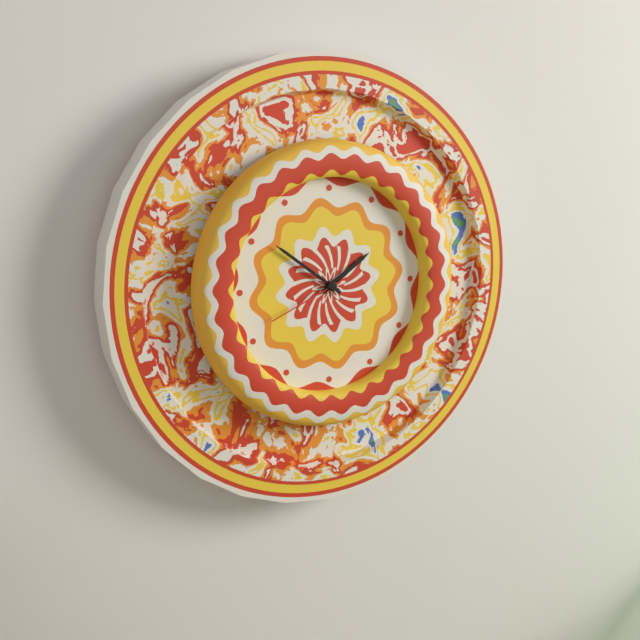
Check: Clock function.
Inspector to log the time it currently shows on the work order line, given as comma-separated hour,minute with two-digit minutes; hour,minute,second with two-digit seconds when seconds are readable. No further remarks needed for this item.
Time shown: 1,51,41
